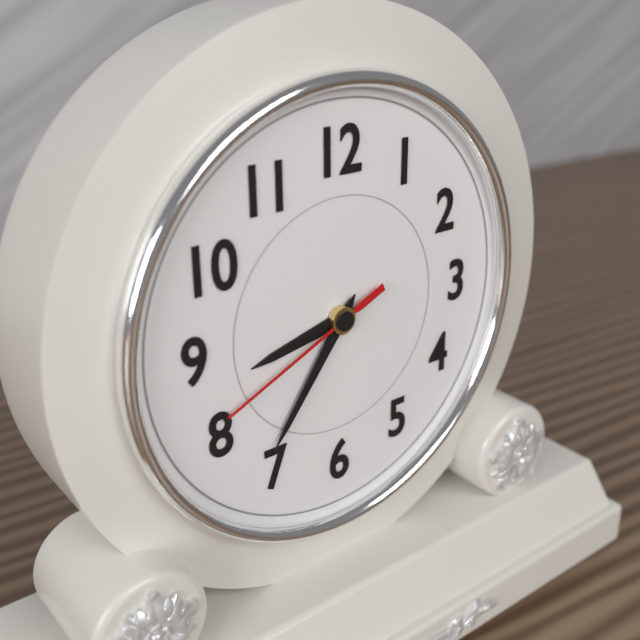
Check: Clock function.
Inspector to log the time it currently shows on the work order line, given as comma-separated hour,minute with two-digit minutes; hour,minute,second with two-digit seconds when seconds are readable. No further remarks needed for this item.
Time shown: 8,36,41
